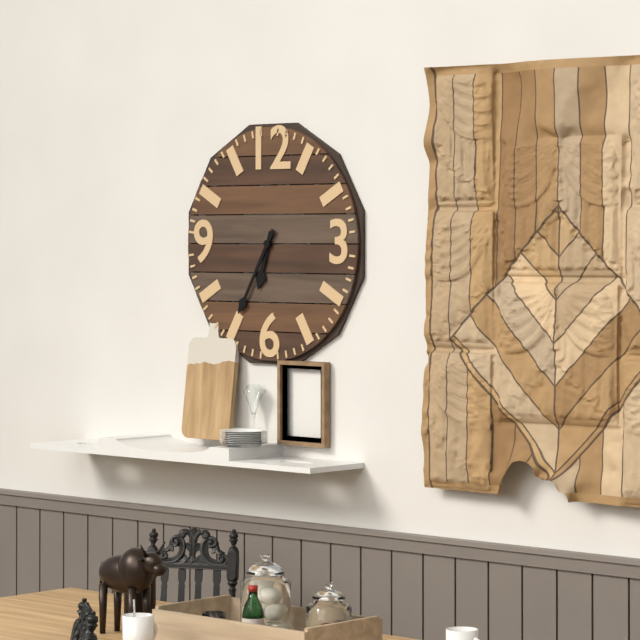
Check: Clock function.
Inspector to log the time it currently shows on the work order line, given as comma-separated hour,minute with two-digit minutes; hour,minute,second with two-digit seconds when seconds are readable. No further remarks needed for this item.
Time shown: 6,35
